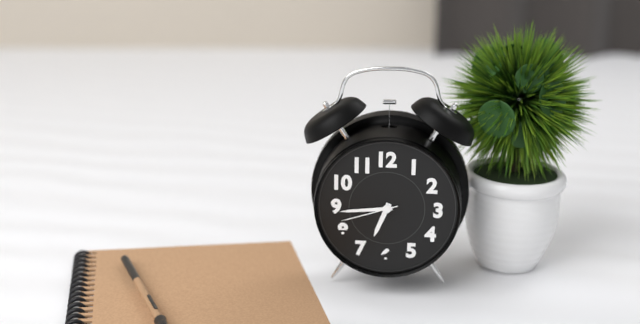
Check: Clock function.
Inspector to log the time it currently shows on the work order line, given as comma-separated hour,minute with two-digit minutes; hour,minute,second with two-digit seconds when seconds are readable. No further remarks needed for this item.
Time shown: 6,44,42
